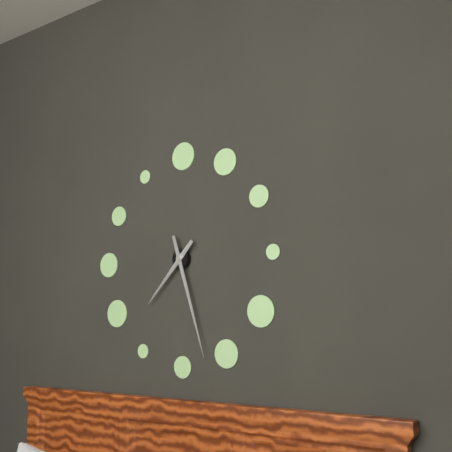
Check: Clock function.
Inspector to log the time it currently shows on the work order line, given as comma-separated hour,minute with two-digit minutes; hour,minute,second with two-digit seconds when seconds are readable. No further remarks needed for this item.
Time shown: 7,27
